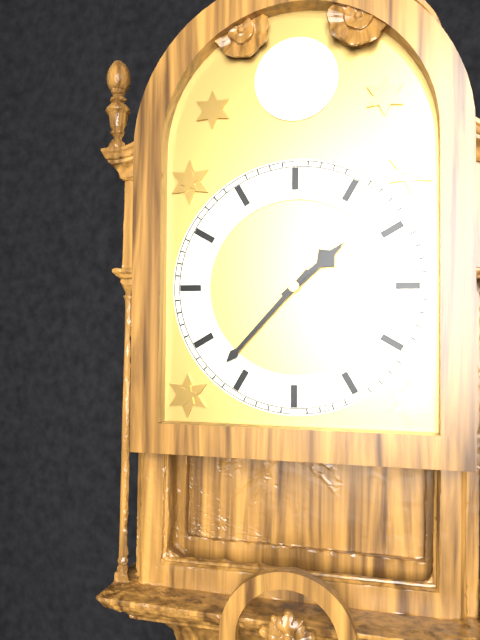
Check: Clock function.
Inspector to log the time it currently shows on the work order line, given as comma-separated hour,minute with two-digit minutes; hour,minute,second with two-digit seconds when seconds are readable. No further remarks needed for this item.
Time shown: 1,37
